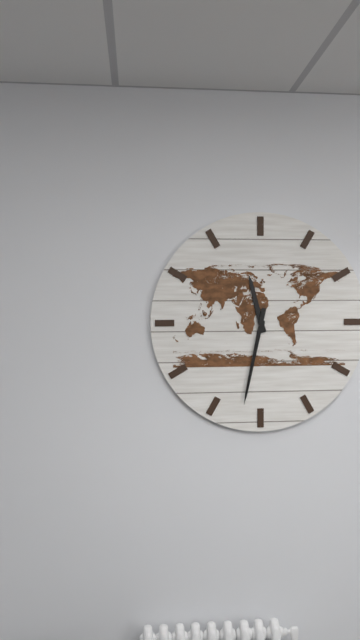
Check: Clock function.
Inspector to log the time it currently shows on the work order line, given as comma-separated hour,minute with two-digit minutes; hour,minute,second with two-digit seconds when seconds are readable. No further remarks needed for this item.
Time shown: 11,32
